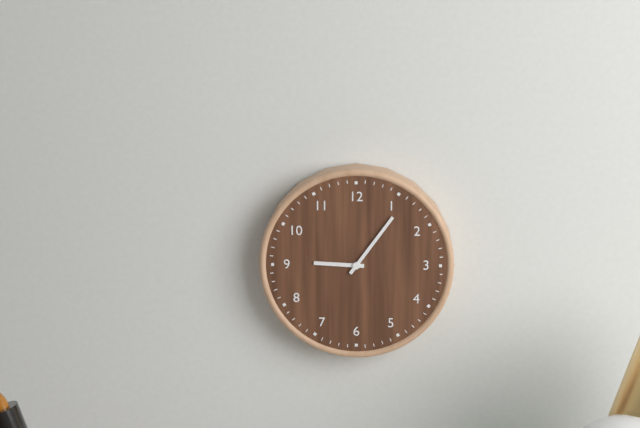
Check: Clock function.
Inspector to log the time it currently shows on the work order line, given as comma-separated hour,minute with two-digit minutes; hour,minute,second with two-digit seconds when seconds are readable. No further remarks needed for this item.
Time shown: 9,06
